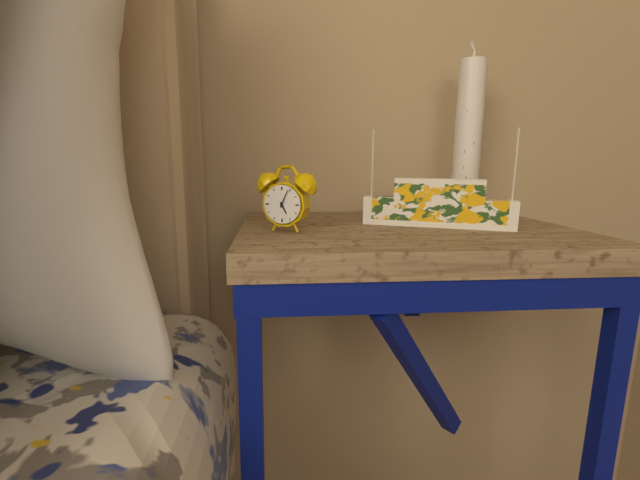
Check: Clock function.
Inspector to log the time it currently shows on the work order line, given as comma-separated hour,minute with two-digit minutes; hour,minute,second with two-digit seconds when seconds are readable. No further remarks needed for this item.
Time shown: 5,04
